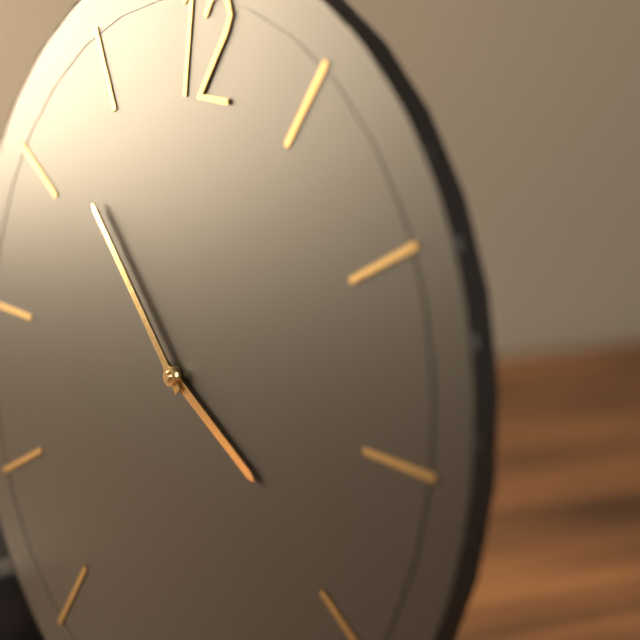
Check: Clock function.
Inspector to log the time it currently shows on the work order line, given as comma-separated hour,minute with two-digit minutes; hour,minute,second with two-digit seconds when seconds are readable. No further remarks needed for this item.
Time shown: 3,52
